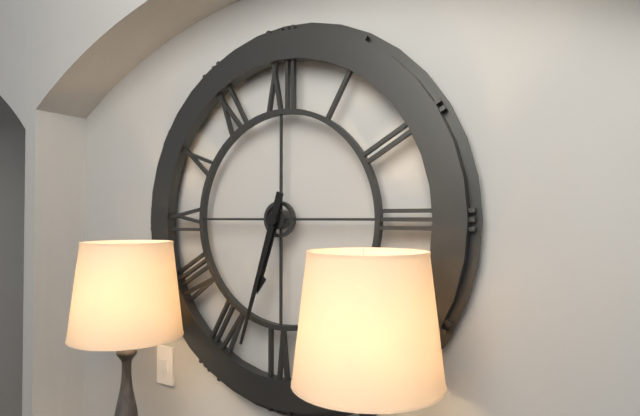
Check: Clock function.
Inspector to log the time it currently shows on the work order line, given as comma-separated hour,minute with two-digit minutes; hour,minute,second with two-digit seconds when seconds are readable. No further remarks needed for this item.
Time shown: 6,33
